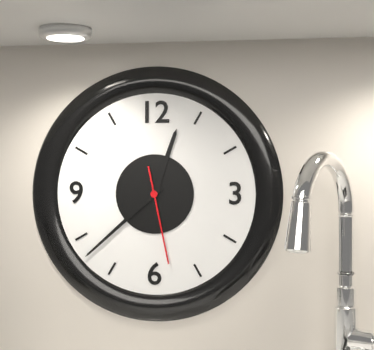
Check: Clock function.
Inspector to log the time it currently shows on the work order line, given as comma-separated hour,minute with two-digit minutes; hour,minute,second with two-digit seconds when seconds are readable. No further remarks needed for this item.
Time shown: 12,38,28
